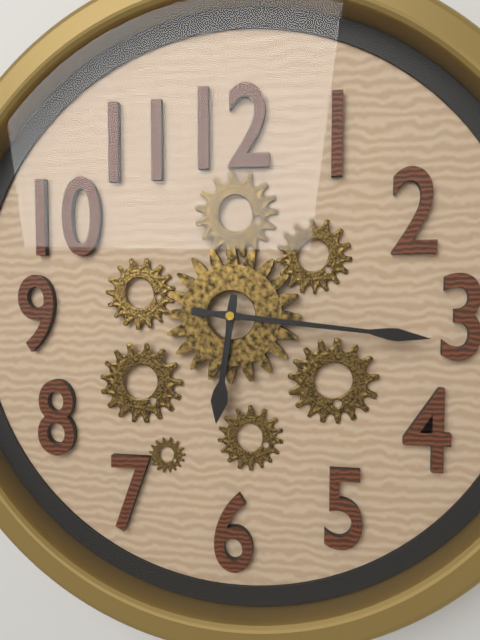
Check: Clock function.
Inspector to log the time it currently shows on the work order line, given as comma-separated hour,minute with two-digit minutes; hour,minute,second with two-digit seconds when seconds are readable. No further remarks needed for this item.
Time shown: 6,16
